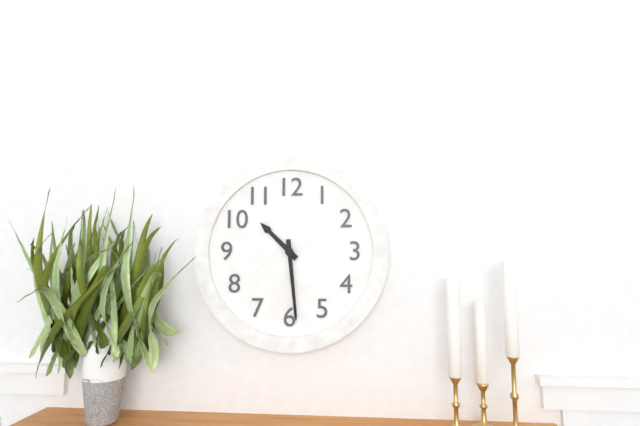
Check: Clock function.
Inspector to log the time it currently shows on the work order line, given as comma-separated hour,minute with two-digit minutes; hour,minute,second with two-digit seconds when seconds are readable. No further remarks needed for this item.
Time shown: 10,29
